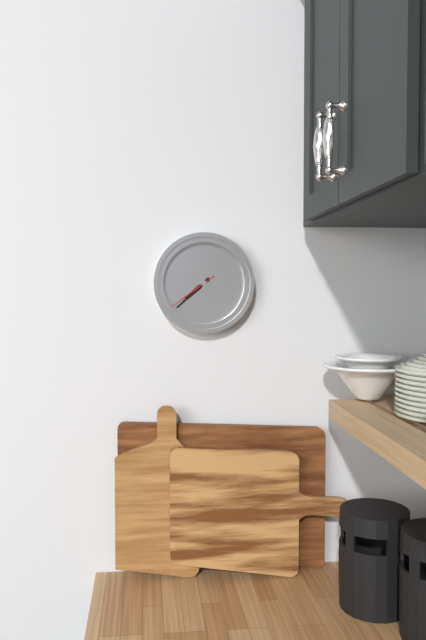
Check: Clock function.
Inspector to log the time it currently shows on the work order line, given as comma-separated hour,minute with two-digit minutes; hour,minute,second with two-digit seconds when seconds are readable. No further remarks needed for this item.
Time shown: 7,38
